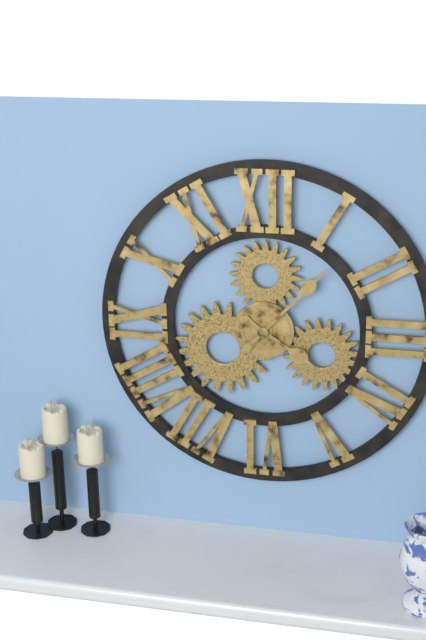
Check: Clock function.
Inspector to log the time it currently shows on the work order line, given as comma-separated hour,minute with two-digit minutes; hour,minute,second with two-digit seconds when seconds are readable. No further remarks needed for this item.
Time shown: 4,07
